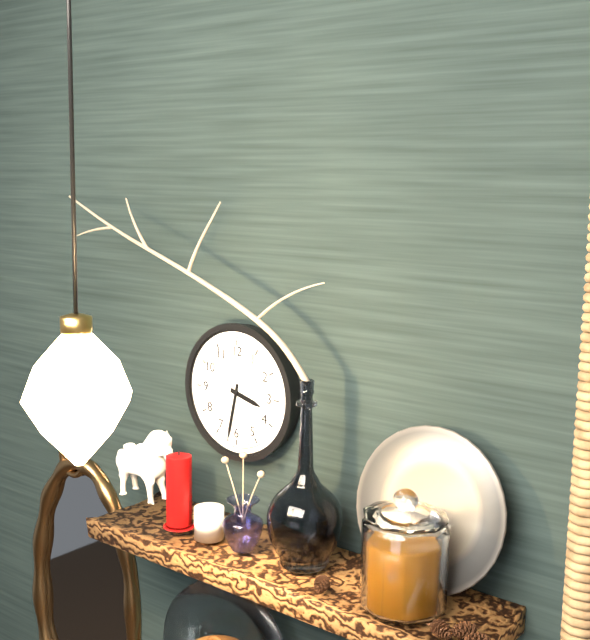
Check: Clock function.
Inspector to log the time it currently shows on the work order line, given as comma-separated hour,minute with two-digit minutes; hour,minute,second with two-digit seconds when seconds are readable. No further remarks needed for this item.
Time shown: 3,32
